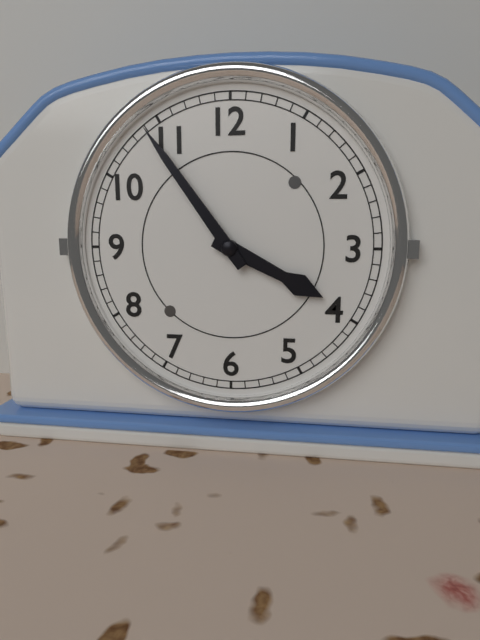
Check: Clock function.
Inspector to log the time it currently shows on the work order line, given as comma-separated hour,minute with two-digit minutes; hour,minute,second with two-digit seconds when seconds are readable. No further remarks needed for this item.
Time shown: 3,54
